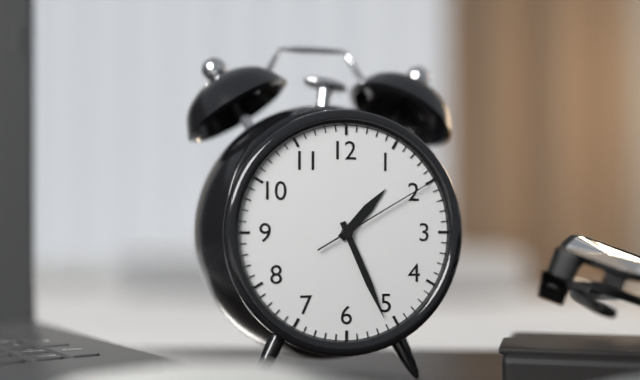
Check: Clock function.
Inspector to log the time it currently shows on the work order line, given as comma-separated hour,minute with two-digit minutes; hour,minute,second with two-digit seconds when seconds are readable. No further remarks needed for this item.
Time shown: 1,26,10
